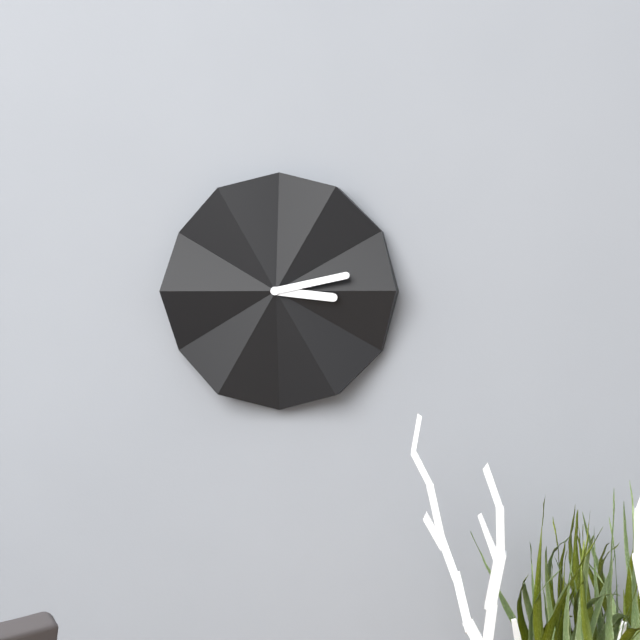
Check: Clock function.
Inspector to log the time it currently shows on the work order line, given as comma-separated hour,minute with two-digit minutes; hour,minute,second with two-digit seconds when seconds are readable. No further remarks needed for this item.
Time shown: 3,13
